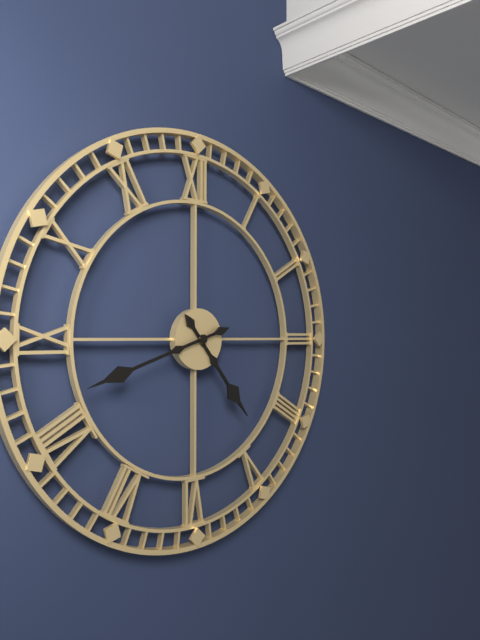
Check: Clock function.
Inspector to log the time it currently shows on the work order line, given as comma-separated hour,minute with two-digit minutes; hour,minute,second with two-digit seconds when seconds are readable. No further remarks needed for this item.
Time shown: 4,42
